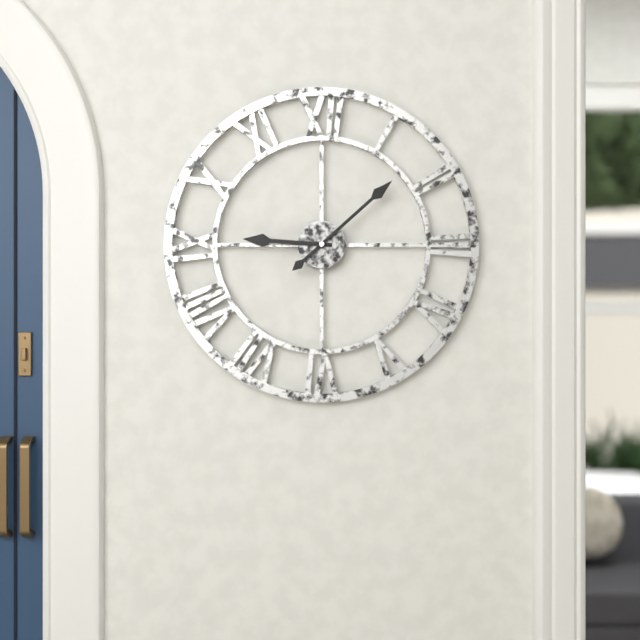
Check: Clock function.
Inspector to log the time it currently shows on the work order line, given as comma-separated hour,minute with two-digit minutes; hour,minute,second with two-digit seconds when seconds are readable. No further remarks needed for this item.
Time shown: 9,08
